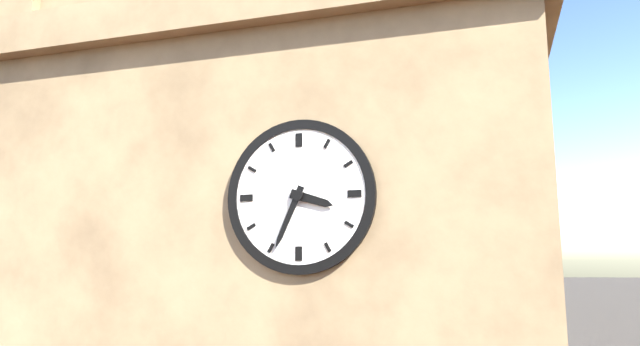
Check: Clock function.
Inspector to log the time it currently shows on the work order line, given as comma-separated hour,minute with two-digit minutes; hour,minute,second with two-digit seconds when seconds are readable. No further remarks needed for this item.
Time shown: 3,34
